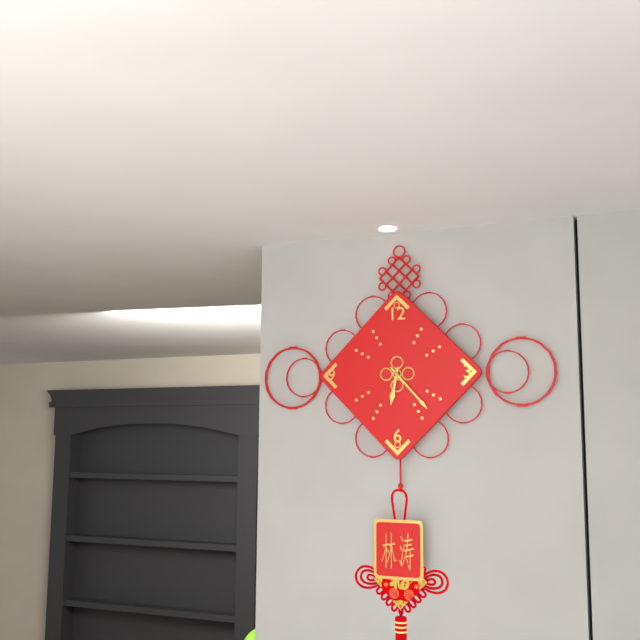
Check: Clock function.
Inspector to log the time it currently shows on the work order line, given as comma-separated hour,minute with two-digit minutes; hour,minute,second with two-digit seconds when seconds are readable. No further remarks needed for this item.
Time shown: 6,23
